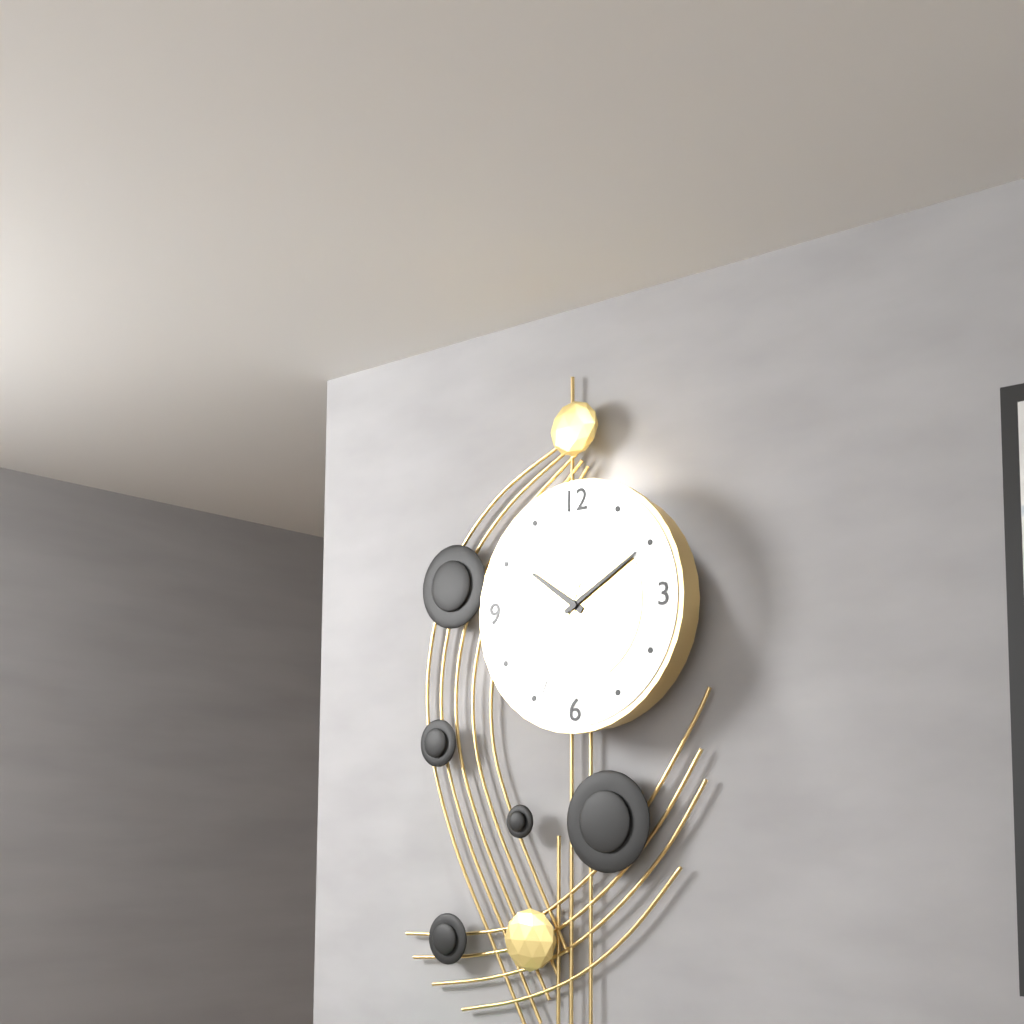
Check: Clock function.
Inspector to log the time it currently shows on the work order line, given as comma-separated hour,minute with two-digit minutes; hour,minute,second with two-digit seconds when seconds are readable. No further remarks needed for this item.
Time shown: 10,10,34
